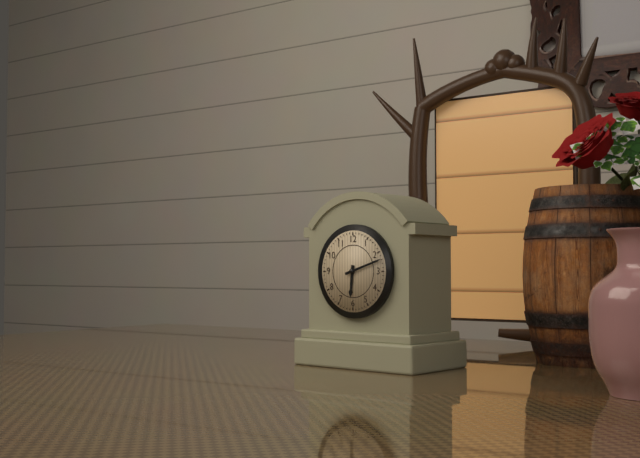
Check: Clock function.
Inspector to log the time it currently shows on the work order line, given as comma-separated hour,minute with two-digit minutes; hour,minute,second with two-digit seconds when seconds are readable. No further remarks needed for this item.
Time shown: 6,12
